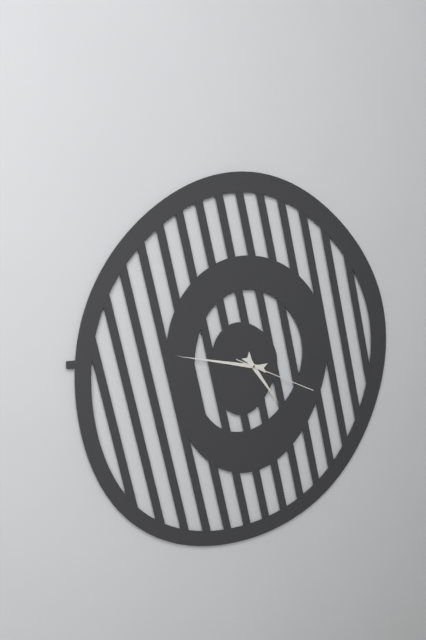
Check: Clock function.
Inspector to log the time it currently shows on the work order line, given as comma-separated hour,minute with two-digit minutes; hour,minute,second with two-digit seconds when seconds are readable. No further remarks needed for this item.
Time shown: 4,47,19
